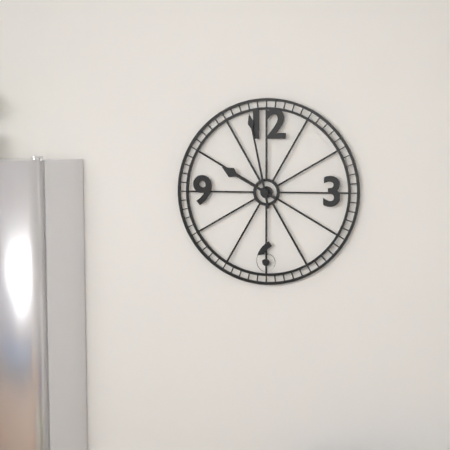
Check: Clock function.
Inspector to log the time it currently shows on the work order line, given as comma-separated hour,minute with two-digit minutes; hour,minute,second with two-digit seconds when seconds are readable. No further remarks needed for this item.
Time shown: 9,58
